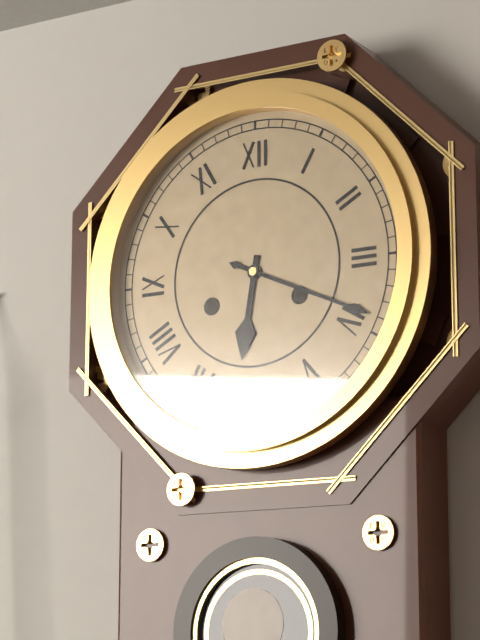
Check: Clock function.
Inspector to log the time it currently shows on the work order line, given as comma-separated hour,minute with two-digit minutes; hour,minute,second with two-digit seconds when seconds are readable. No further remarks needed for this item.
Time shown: 6,19
